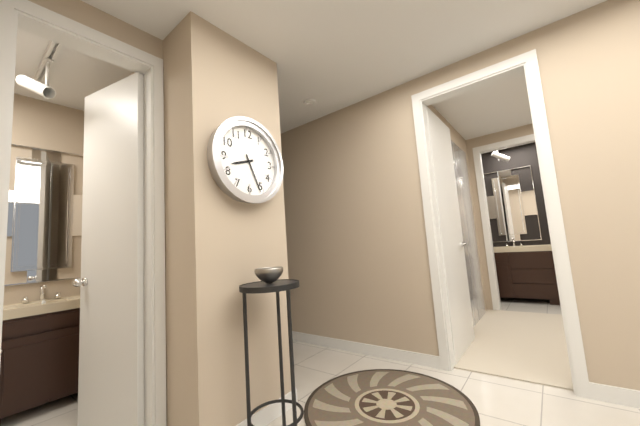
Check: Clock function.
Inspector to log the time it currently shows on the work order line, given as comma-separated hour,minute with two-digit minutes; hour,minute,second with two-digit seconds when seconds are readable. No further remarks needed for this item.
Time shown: 8,26
